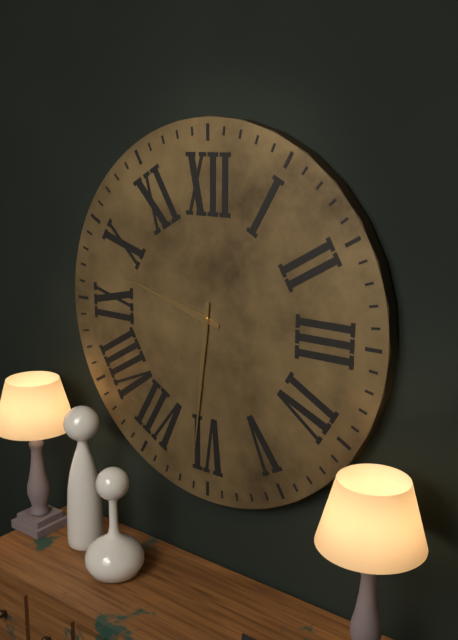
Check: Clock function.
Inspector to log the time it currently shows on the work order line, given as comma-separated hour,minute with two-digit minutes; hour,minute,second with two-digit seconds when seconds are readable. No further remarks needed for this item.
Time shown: 9,31
